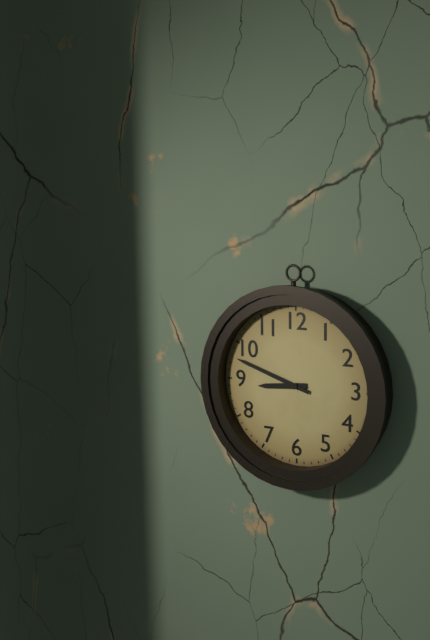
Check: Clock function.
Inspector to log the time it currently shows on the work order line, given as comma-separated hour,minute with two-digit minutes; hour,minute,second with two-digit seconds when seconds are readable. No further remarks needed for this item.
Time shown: 8,48
